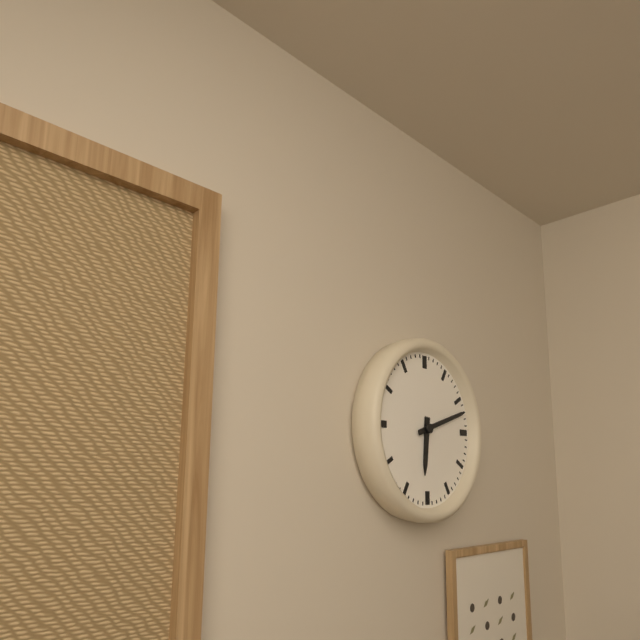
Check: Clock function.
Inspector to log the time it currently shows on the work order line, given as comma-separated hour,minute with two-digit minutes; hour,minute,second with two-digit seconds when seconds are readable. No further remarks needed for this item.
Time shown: 6,12
